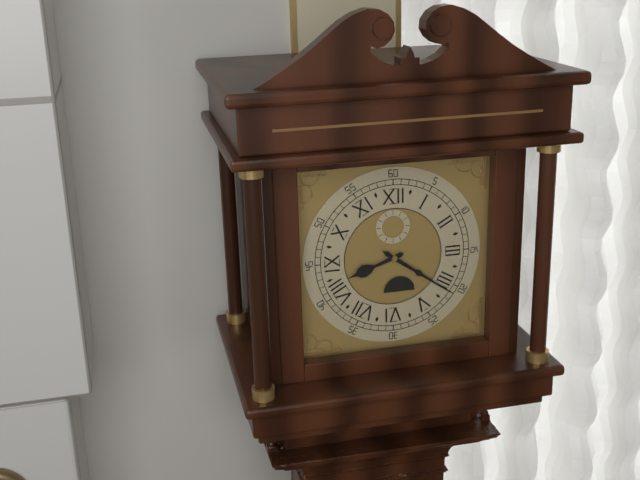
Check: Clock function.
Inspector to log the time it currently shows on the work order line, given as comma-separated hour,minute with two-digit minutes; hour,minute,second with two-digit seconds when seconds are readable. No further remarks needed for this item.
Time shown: 8,21
